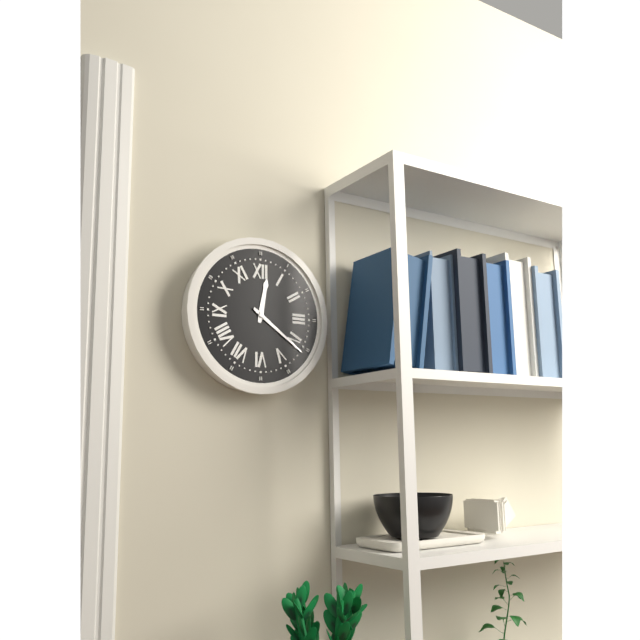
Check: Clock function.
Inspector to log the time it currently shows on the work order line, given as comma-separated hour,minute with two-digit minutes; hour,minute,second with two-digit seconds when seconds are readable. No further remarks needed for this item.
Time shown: 12,21
